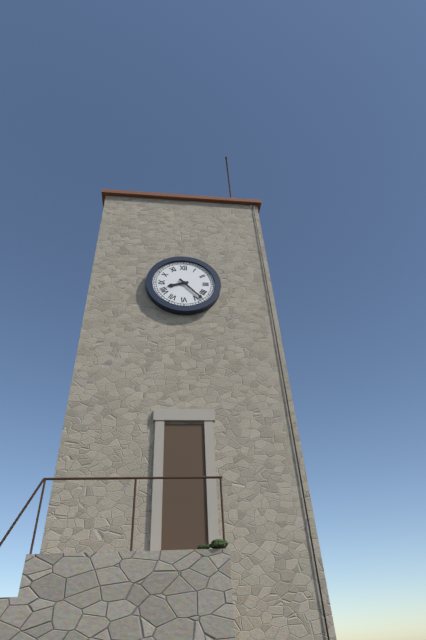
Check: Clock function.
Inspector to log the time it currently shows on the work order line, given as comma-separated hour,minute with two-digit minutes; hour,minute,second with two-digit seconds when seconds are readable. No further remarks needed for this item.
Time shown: 8,23
